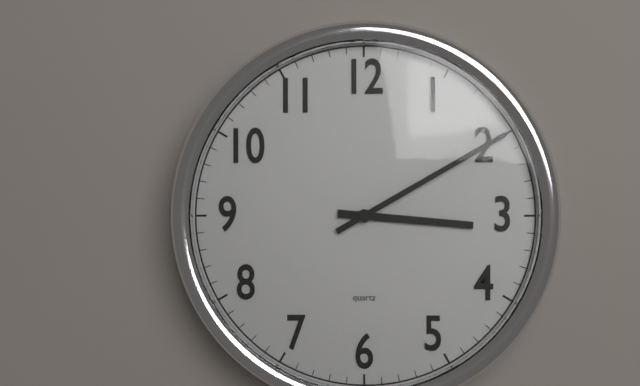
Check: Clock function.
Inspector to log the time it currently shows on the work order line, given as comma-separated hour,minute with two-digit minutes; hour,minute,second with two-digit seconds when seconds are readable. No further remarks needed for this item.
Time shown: 3,10
